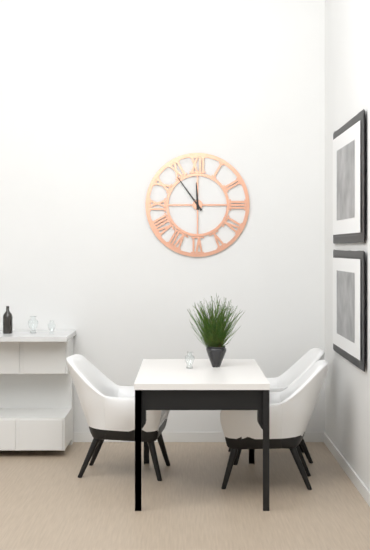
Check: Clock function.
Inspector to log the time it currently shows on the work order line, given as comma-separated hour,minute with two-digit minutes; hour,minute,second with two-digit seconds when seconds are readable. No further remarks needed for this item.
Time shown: 11,54
